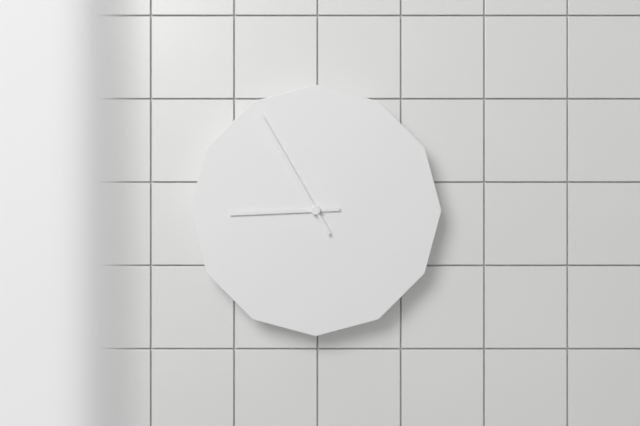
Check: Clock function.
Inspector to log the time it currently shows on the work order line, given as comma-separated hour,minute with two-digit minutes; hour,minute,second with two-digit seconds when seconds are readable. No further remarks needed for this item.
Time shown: 8,55
